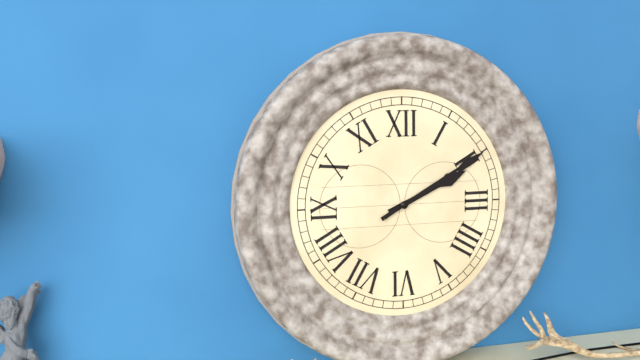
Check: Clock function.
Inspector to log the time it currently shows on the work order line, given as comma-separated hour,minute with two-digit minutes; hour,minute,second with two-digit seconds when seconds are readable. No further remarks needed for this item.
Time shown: 2,10
